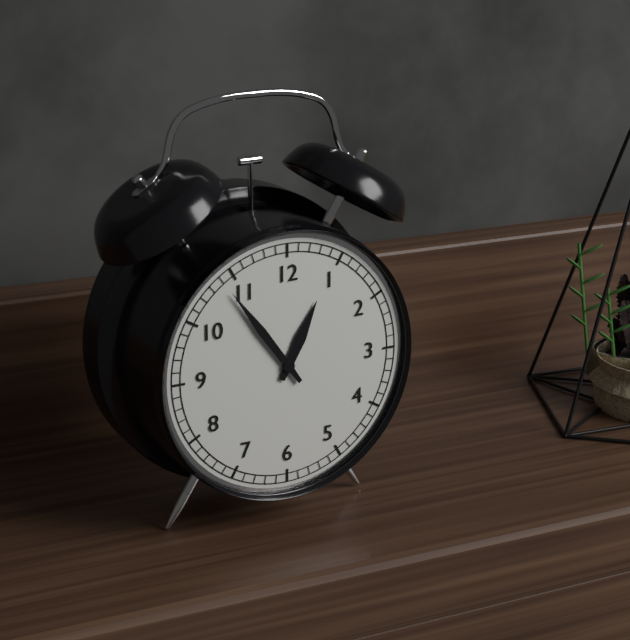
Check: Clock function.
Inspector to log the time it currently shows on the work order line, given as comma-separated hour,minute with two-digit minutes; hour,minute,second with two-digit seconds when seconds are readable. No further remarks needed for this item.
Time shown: 12,54
